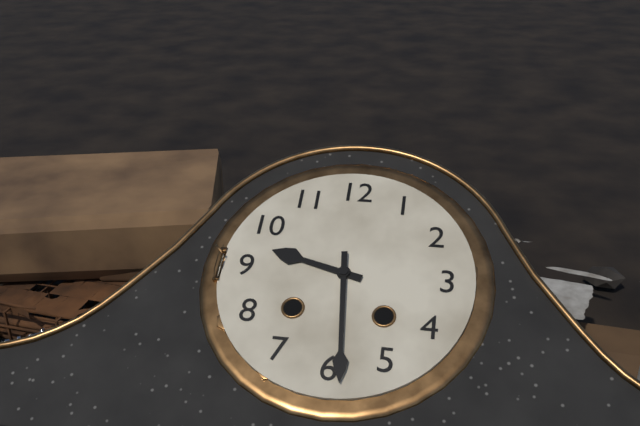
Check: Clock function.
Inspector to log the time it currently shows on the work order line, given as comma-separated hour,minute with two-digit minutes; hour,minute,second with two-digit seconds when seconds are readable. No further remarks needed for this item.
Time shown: 9,29
